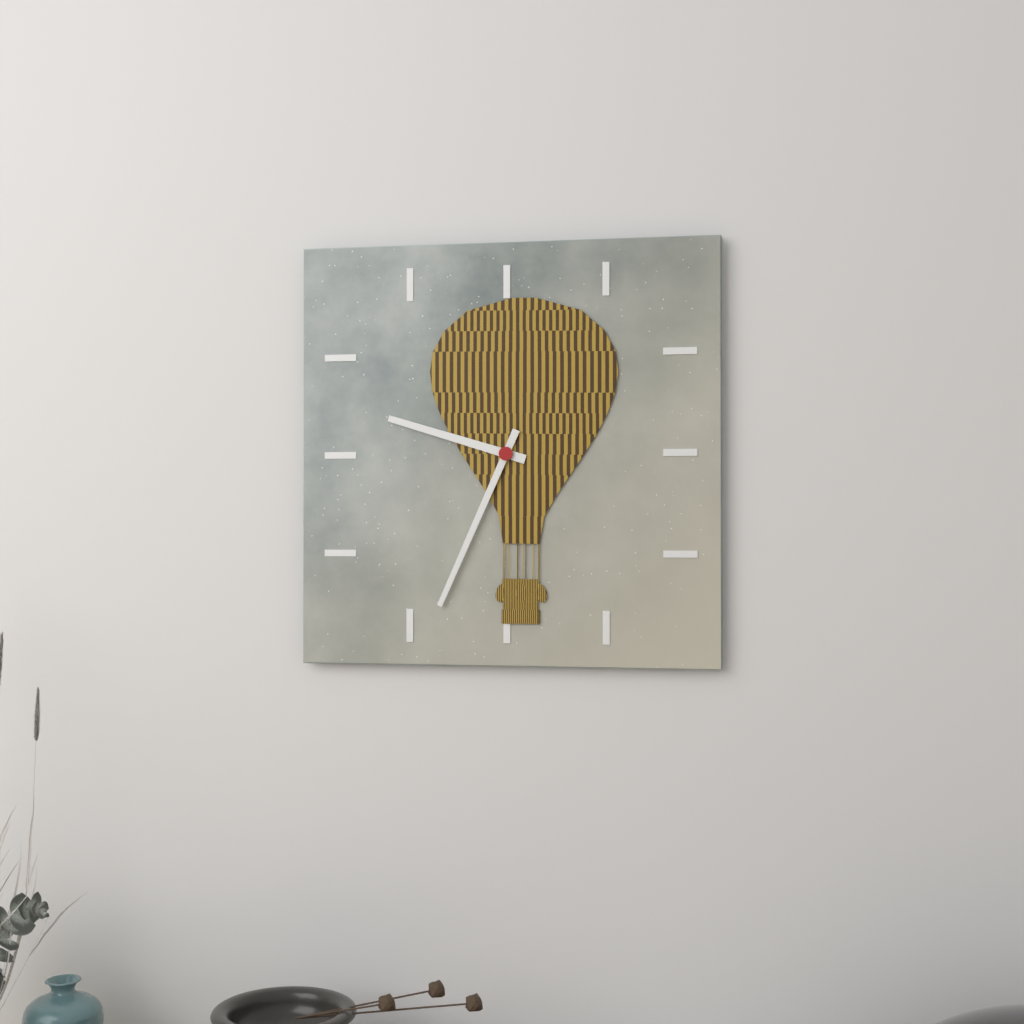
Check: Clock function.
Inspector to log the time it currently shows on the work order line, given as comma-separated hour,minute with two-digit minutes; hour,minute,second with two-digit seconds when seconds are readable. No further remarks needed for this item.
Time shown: 9,34
